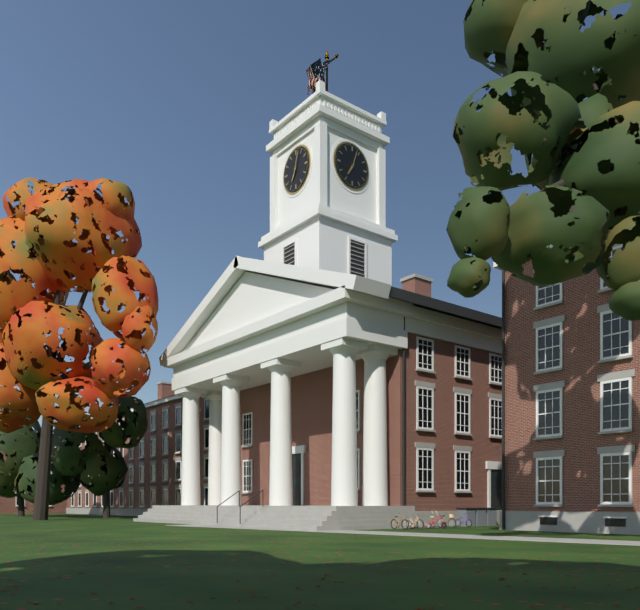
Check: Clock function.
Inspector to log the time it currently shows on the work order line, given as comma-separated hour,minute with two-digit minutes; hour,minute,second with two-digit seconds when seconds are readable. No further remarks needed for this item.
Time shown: 7,03
